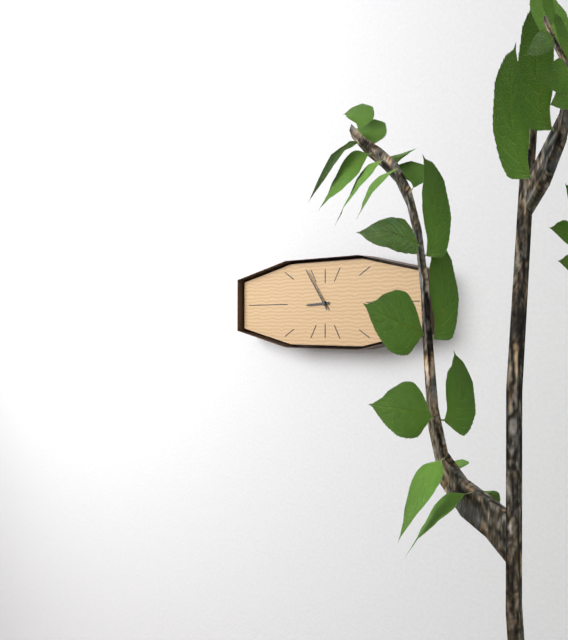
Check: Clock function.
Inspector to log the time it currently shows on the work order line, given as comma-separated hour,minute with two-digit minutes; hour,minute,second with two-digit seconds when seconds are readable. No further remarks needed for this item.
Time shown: 8,54
